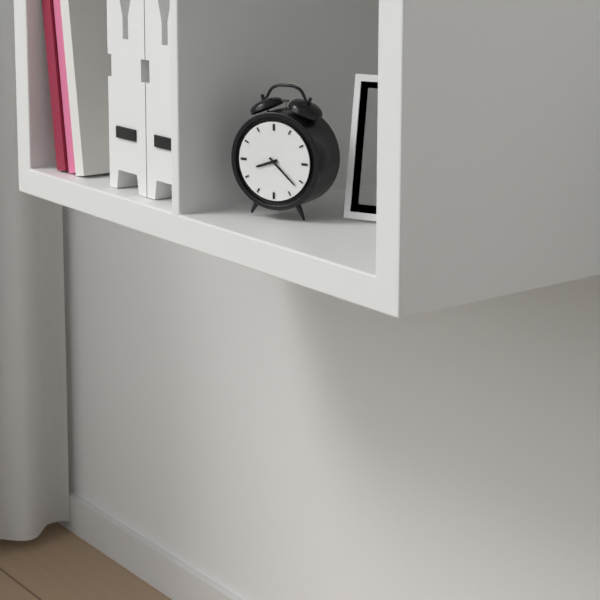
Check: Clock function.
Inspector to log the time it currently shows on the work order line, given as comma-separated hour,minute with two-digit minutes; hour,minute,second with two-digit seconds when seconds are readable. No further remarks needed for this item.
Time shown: 8,22
